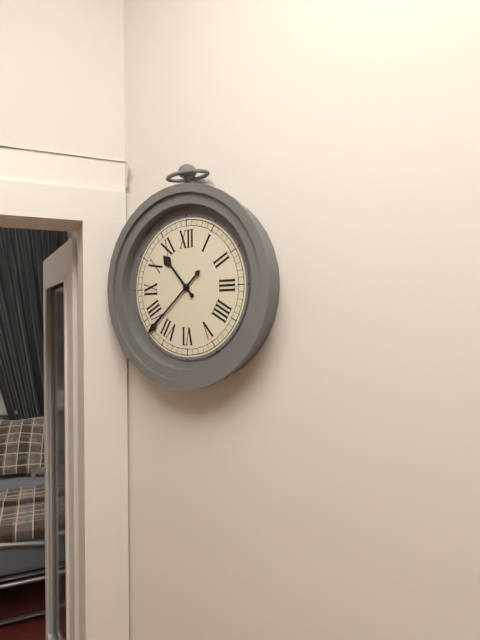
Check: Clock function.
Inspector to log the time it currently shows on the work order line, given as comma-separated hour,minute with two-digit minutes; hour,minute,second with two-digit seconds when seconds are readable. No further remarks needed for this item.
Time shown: 10,38
